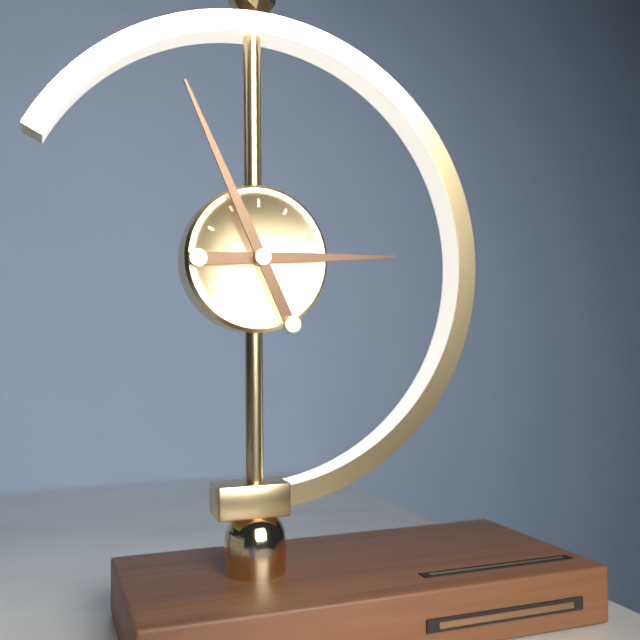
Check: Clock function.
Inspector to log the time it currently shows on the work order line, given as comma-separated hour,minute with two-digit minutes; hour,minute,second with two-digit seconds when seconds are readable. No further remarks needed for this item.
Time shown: 2,56
